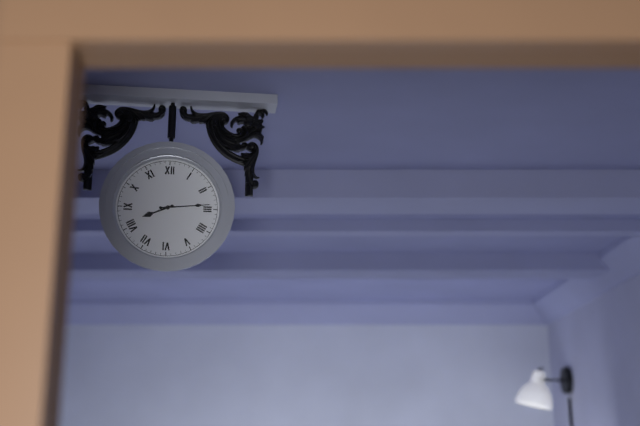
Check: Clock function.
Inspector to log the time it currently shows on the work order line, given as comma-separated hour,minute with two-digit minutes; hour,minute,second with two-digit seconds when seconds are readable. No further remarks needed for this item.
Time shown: 8,14
